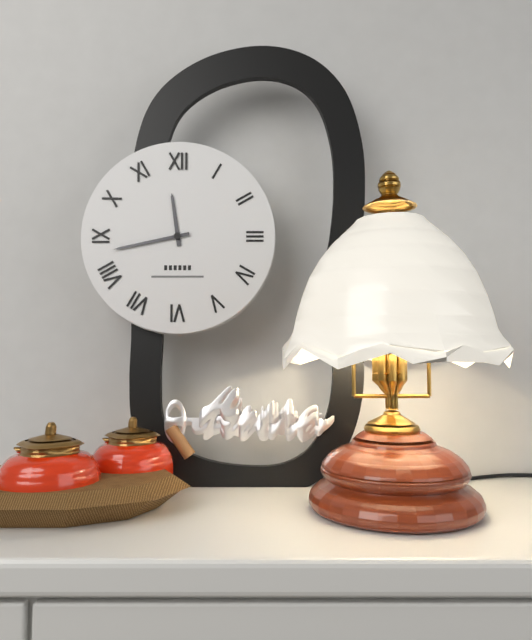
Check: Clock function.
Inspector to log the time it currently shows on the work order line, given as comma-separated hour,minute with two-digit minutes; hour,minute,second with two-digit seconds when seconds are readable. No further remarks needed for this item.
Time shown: 11,43
